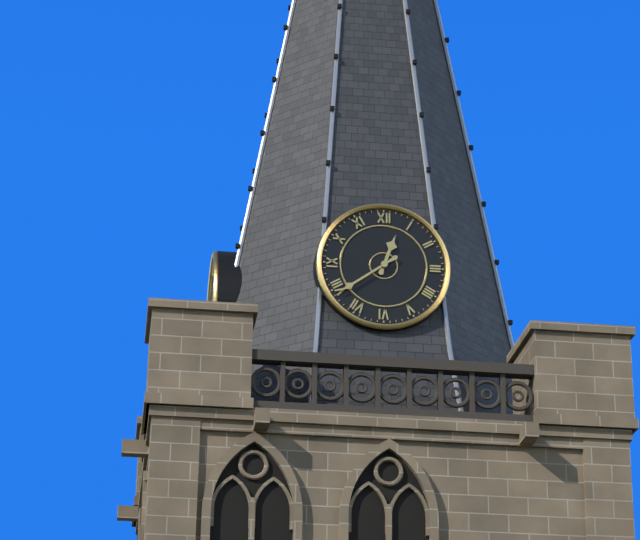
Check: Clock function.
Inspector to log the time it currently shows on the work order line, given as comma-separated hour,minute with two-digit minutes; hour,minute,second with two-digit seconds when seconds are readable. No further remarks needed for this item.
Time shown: 12,39
